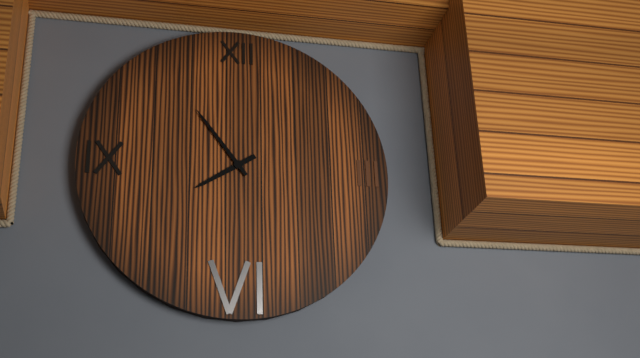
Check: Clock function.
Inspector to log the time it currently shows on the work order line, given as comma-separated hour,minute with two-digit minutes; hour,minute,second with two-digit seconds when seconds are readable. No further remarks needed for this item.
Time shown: 7,54
